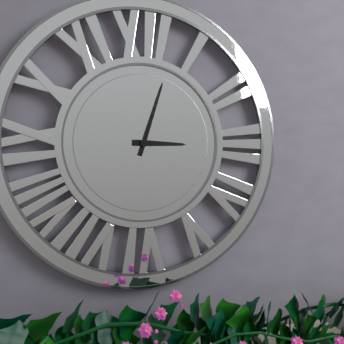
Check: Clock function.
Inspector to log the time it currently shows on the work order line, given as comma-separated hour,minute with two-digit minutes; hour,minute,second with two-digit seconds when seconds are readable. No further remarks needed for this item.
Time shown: 3,03
